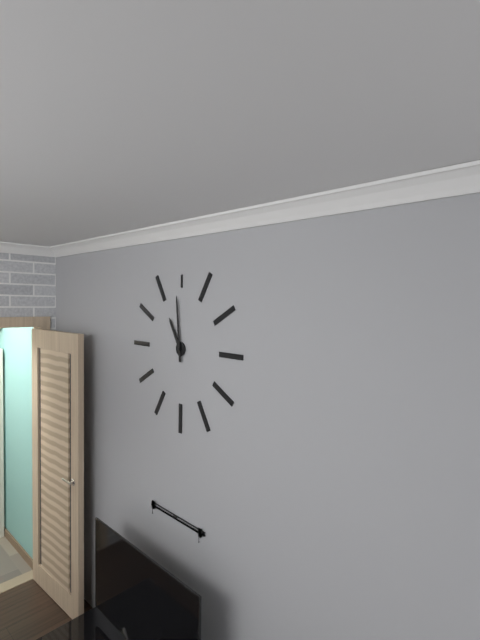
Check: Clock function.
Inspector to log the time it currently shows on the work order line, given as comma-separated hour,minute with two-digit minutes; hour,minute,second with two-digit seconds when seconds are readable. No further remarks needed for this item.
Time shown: 10,59
